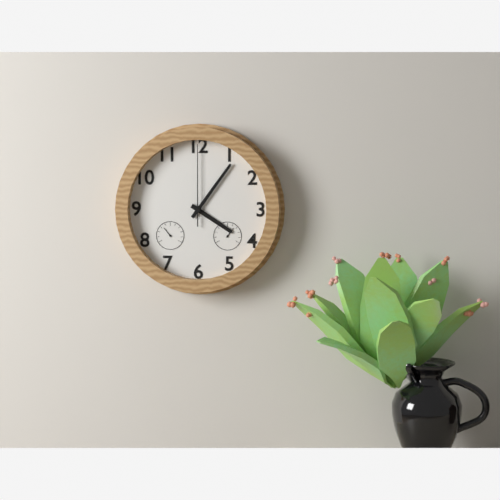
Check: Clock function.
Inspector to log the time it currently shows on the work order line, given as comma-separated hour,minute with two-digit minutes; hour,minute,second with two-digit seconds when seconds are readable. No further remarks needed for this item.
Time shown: 4,06,00
